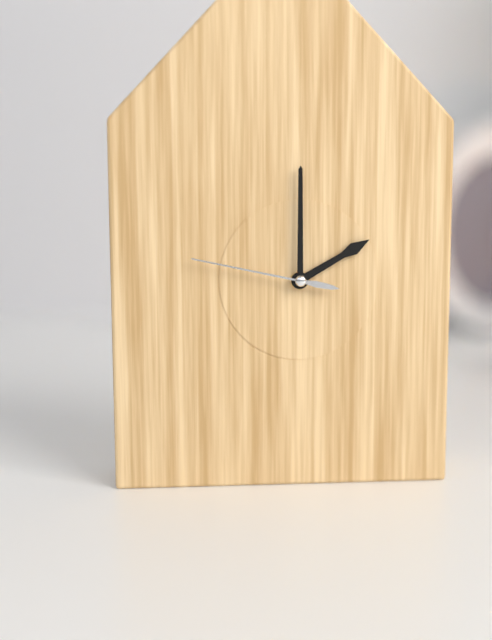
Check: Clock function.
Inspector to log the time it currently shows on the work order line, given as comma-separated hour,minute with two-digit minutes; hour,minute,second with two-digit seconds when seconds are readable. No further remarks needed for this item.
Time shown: 2,00,47
